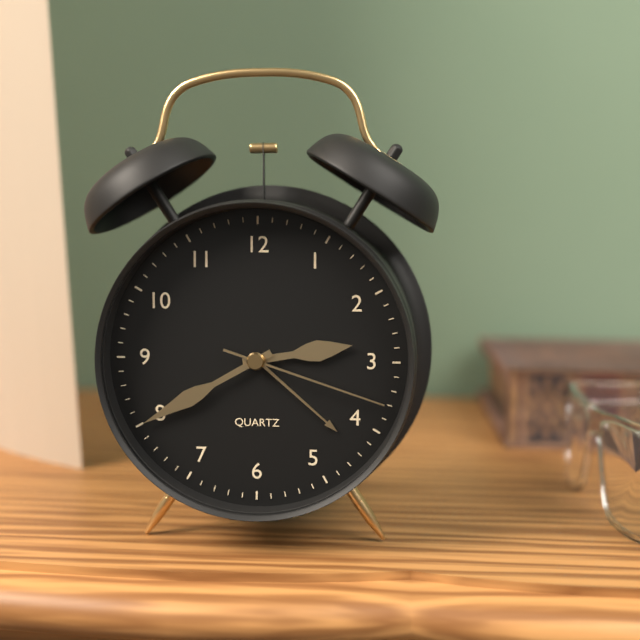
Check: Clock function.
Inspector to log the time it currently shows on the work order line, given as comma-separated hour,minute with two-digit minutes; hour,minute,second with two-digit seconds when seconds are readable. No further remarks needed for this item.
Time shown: 2,40,18
